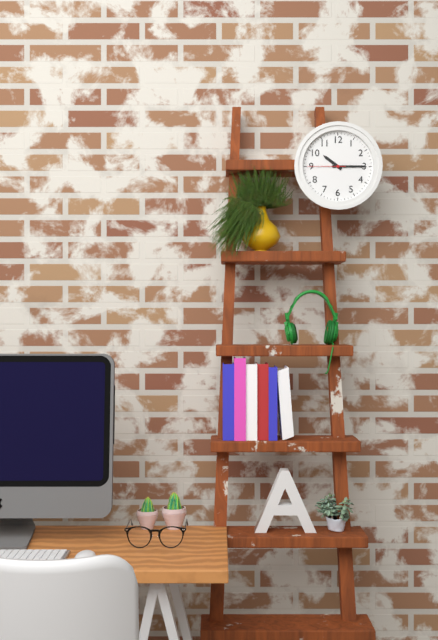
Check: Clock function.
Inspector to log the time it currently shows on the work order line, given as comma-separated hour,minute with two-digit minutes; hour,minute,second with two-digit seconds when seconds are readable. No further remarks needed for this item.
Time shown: 10,15
